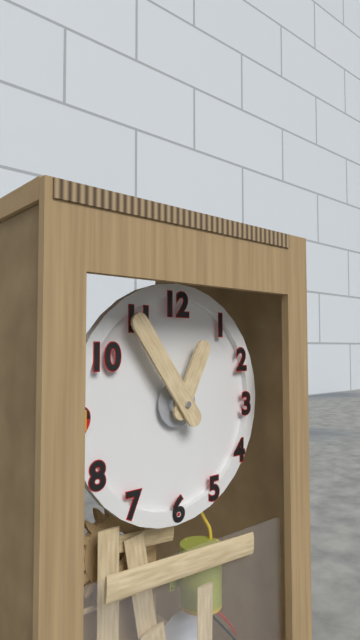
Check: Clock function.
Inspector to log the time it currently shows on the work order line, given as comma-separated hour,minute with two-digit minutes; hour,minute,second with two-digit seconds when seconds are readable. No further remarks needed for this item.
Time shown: 12,54
